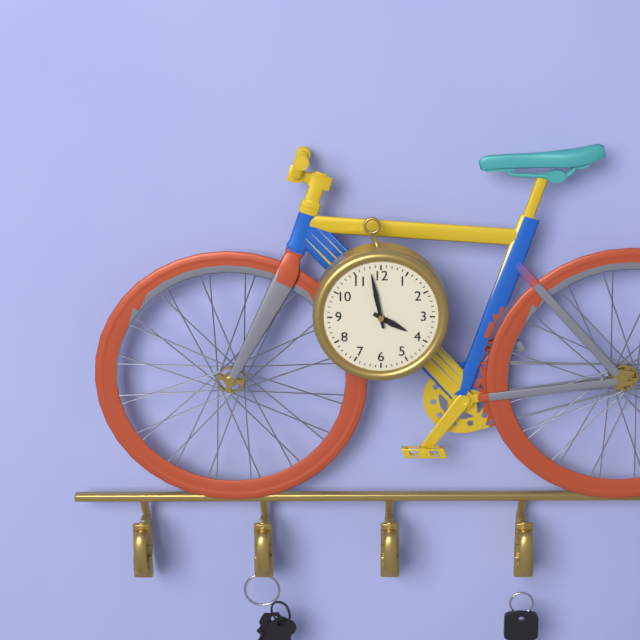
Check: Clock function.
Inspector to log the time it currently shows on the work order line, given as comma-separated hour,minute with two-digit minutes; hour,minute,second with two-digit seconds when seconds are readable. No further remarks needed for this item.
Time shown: 3,58
